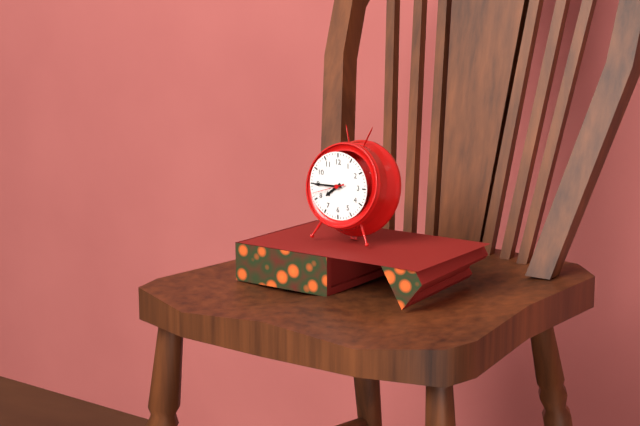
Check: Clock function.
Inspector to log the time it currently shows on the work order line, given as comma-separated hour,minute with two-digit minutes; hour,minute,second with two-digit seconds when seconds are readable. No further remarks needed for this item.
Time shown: 7,45
